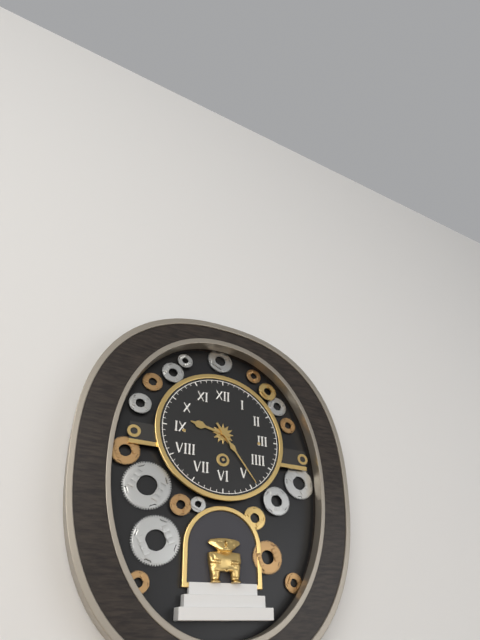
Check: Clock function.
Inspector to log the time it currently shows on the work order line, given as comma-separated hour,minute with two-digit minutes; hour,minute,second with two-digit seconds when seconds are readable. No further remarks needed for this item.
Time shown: 9,24
